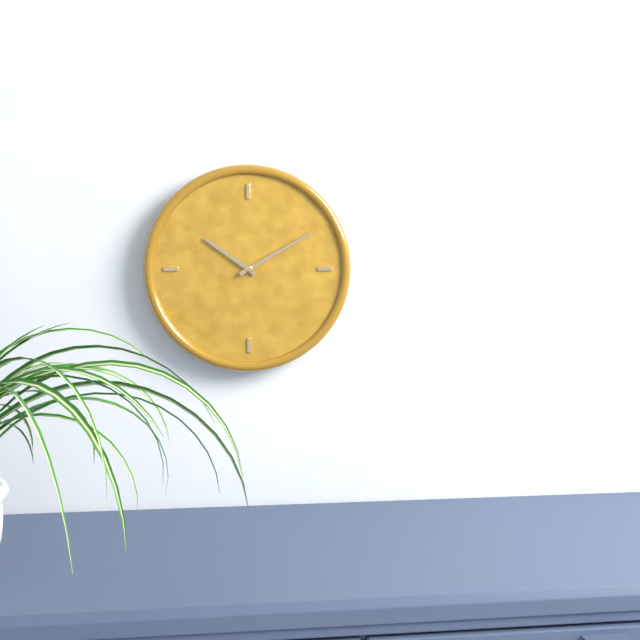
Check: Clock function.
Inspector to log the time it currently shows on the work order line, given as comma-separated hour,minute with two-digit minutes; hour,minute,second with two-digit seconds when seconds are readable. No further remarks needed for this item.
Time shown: 10,10
